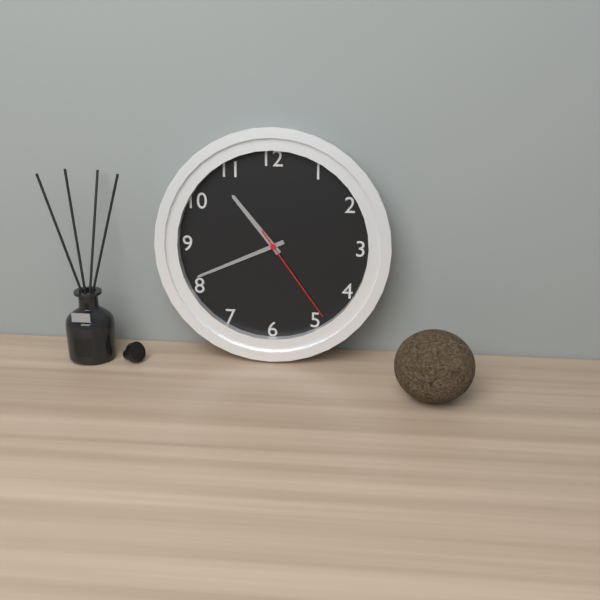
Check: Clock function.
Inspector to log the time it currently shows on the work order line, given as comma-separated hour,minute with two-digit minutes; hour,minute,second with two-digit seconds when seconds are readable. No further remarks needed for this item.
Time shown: 10,41,24
